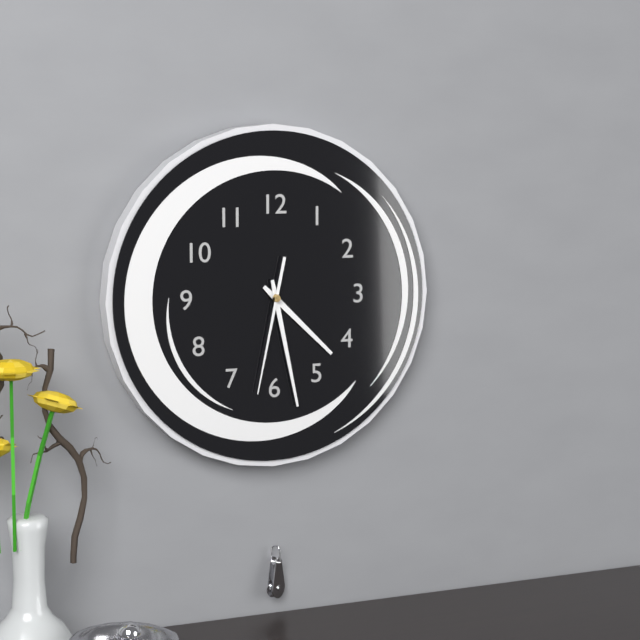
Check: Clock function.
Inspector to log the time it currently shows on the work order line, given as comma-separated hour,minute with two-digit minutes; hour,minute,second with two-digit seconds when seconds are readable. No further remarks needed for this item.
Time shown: 4,28,32
